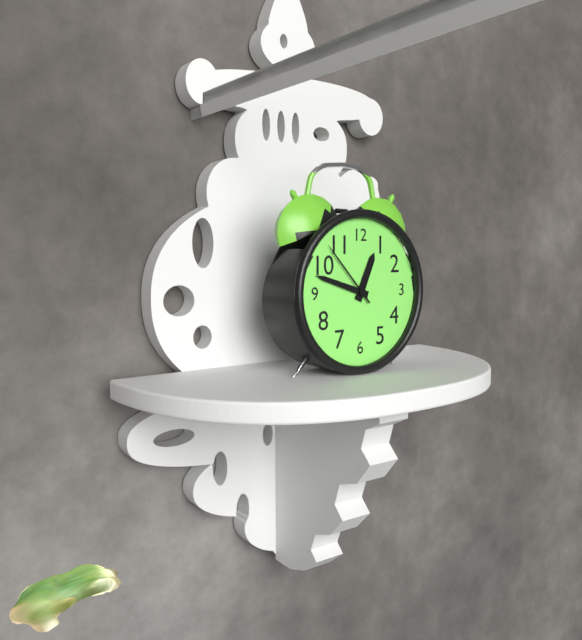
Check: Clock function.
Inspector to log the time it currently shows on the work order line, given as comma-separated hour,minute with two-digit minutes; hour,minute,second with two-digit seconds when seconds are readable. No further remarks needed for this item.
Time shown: 12,48,53
